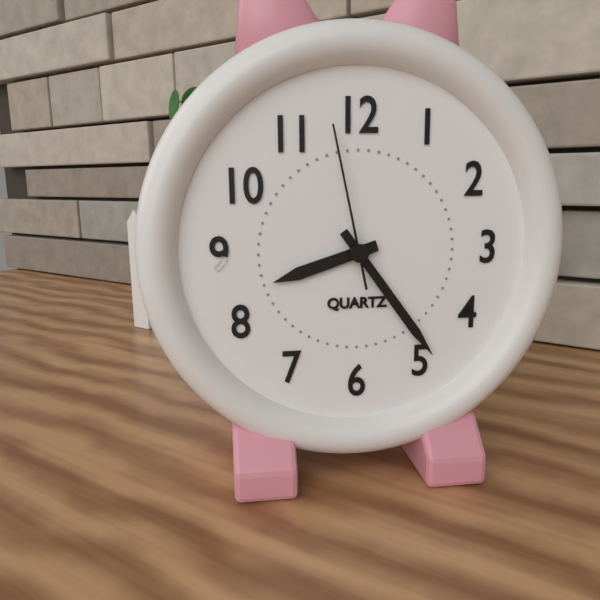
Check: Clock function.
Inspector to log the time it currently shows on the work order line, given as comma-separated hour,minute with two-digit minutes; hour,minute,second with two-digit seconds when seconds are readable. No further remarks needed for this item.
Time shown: 8,24,58
